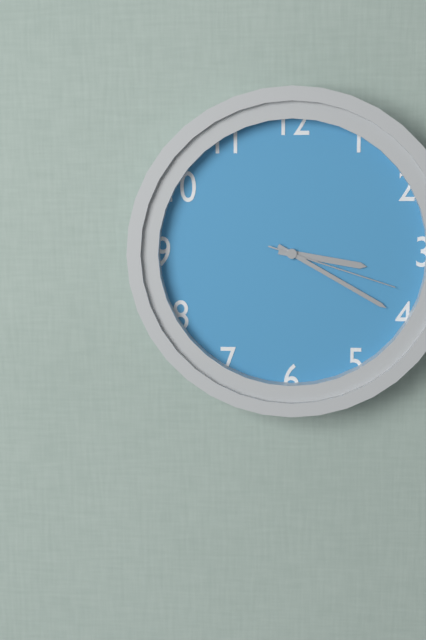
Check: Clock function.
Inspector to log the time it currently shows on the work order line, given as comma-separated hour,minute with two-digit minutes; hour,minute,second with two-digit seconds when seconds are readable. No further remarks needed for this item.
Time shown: 3,20,18
